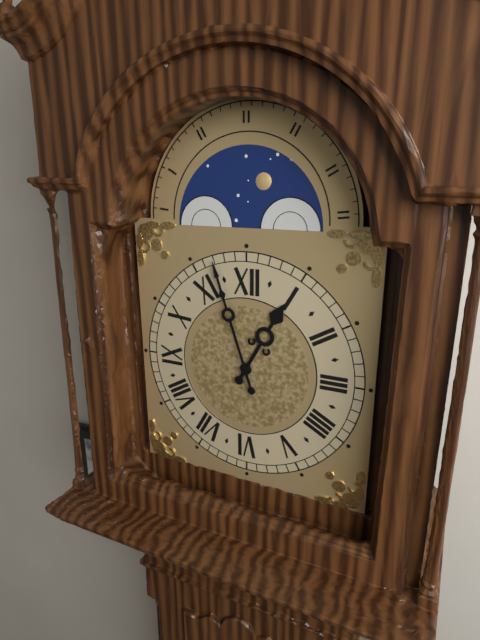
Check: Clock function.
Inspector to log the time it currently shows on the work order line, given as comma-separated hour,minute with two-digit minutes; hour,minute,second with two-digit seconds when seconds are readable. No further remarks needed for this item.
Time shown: 12,57
